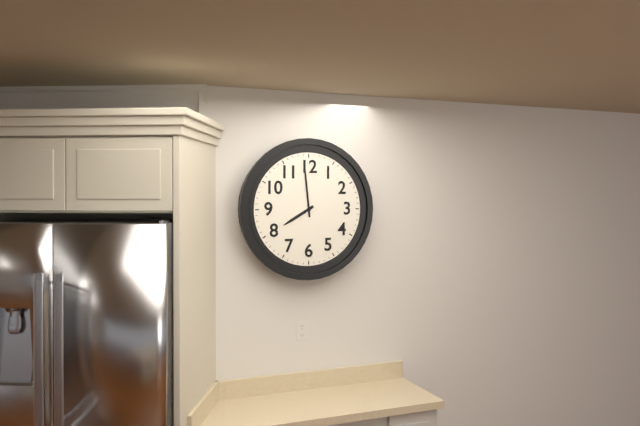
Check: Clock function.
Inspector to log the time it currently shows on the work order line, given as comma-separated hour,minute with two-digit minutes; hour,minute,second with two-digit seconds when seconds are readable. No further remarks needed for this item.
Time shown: 7,59
